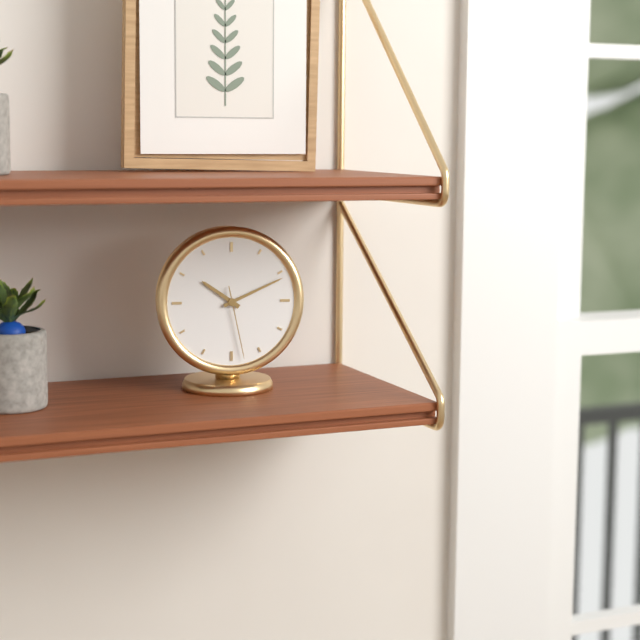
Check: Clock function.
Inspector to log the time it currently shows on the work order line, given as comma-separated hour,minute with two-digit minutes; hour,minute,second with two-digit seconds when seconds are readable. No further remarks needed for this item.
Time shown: 10,11,28
